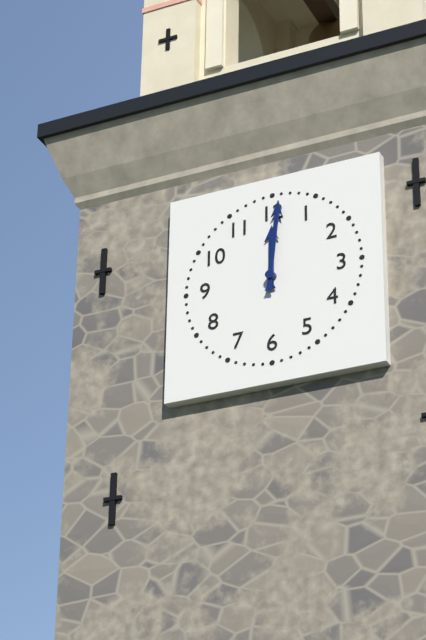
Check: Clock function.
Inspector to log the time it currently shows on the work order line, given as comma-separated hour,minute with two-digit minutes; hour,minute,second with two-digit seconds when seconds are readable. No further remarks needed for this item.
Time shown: 12,01
